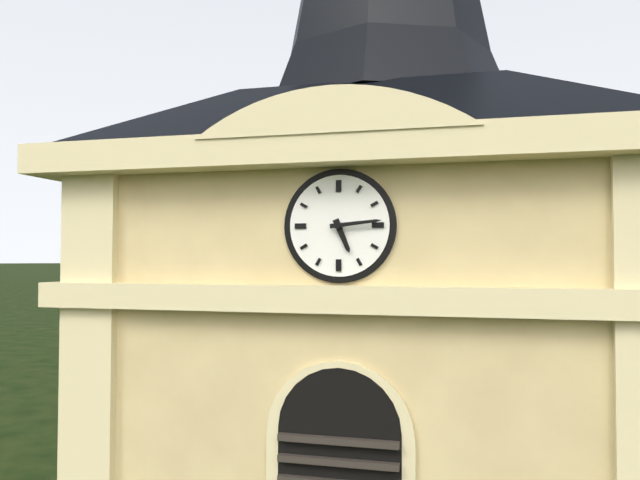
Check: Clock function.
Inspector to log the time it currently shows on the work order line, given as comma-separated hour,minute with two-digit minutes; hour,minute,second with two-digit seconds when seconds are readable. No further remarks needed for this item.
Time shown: 5,14
